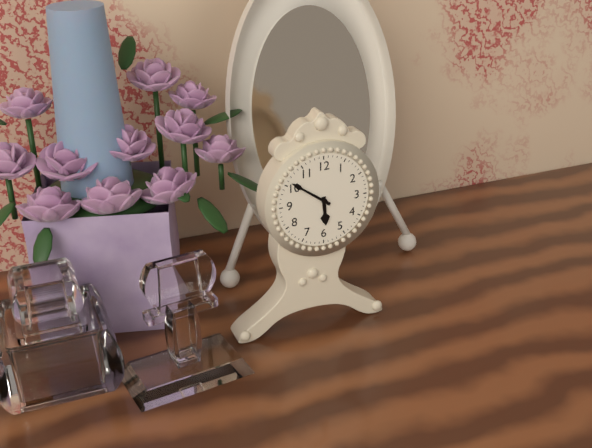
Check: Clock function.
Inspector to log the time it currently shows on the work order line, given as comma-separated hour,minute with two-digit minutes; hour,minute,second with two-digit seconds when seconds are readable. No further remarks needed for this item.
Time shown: 5,51
